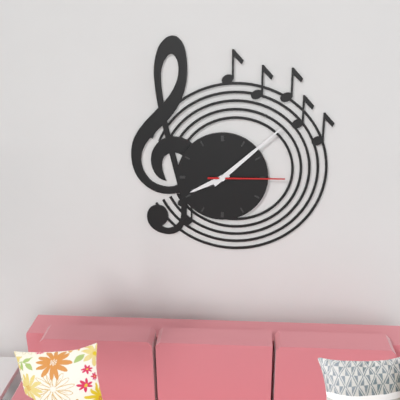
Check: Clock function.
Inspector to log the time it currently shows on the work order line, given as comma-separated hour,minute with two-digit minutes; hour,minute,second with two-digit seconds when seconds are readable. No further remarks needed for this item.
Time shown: 8,08,15
